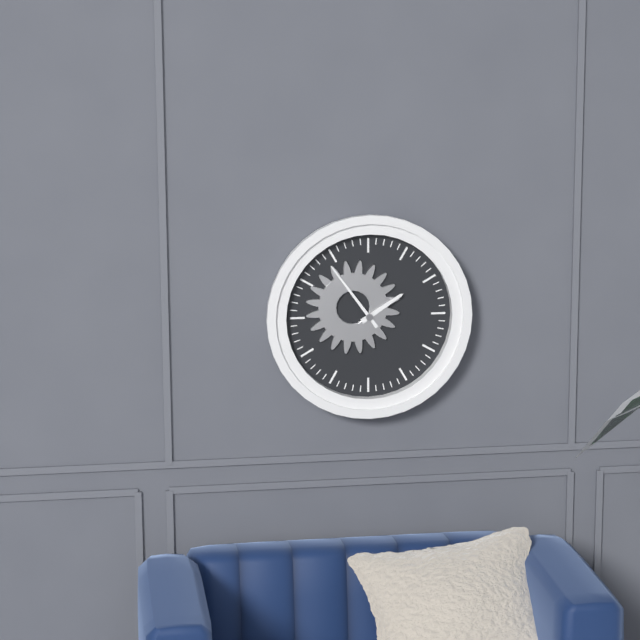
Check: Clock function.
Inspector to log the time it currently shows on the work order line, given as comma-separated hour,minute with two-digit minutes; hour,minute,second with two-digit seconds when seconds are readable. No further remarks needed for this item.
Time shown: 1,54
